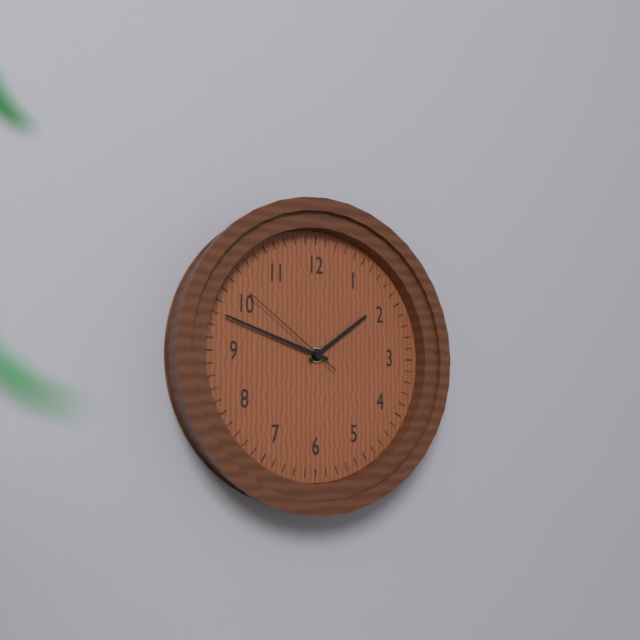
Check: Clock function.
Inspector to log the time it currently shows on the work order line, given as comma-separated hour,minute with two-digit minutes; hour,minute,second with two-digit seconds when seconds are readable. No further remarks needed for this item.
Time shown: 1,48,51
